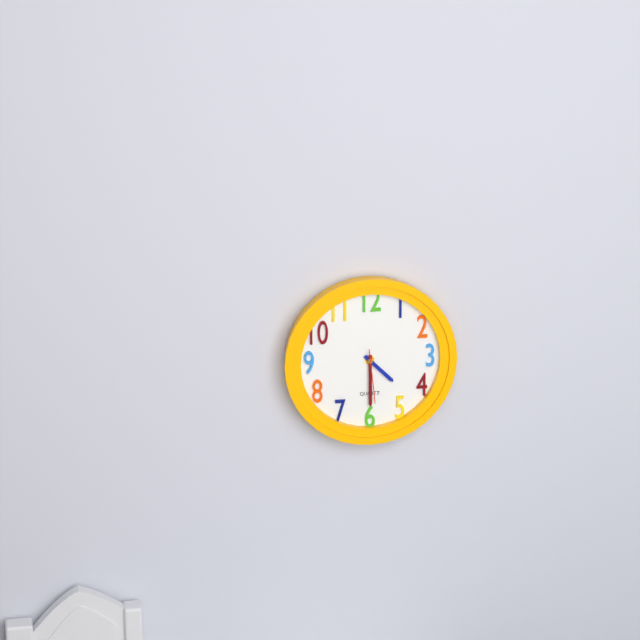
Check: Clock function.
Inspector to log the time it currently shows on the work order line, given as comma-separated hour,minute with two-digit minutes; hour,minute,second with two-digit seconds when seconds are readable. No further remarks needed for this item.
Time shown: 4,30,29
